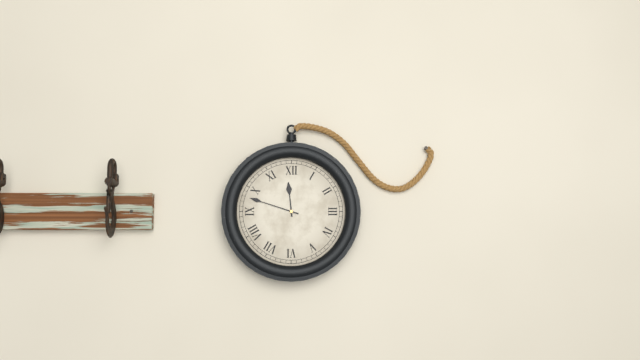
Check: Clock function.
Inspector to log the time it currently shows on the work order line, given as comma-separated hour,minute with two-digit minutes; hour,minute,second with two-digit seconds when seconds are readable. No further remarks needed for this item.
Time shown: 11,48
